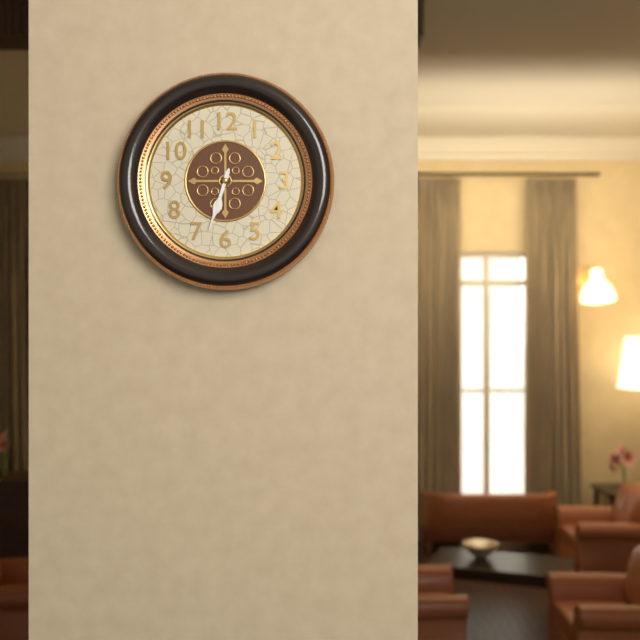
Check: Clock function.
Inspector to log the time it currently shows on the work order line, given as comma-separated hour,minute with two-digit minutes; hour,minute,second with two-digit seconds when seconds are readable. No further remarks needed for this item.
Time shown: 6,33
